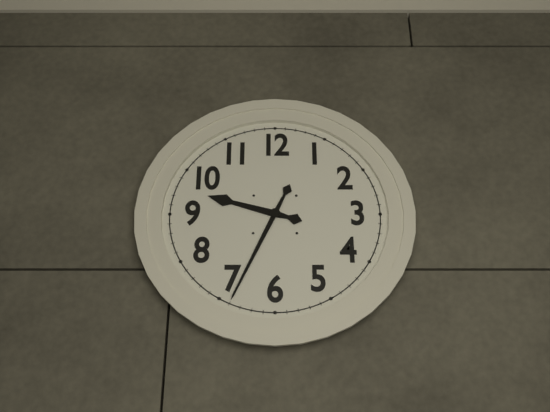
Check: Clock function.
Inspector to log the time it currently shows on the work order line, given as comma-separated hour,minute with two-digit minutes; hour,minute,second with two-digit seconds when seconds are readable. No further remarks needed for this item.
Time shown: 9,34
